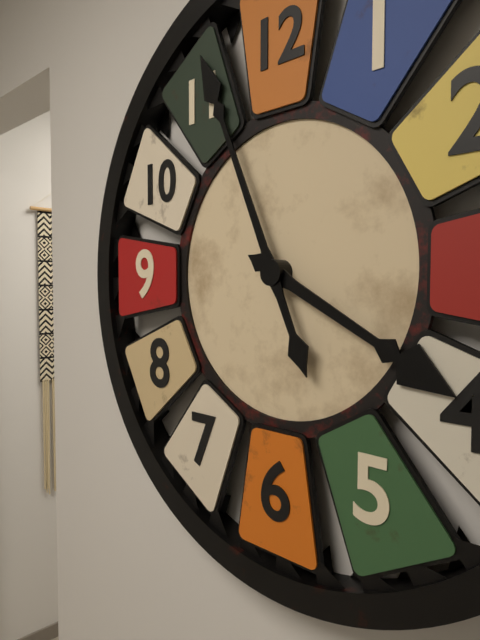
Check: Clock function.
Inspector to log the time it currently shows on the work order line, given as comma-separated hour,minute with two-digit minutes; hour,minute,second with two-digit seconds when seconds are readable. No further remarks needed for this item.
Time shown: 3,56
